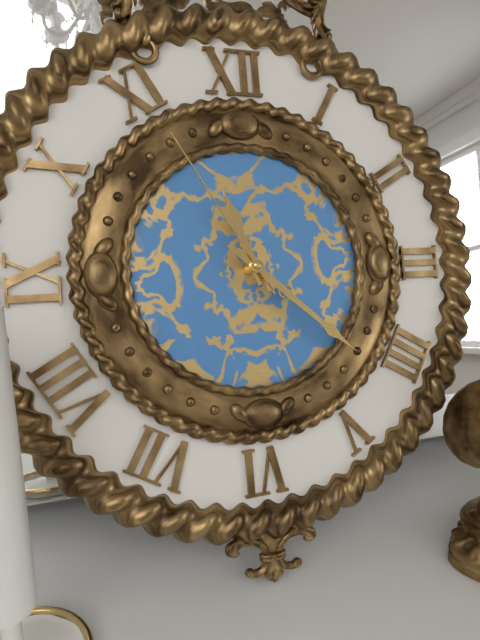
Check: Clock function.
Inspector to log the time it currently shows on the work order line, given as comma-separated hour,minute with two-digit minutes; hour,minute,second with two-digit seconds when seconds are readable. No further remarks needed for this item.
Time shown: 11,22,55
